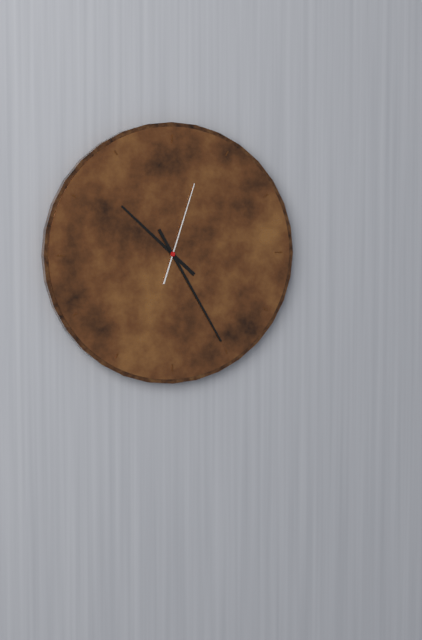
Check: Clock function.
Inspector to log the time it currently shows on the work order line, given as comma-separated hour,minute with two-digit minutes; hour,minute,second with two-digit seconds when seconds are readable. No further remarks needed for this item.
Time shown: 10,25,03
